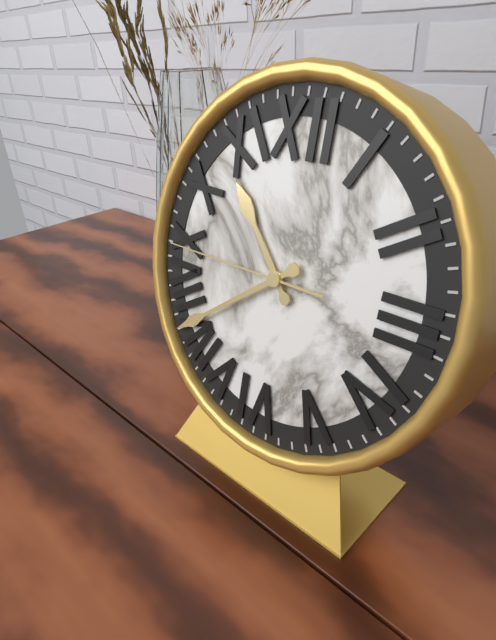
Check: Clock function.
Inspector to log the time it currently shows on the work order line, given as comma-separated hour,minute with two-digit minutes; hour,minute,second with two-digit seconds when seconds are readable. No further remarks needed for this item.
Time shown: 10,39,45
